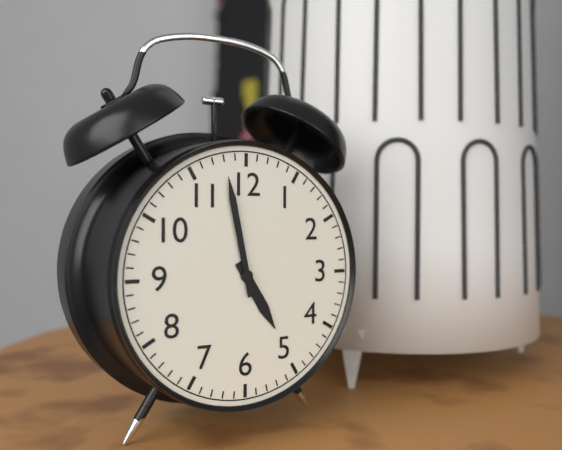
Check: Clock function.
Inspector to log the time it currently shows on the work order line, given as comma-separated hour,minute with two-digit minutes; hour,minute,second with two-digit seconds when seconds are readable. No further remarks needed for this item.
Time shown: 4,58
